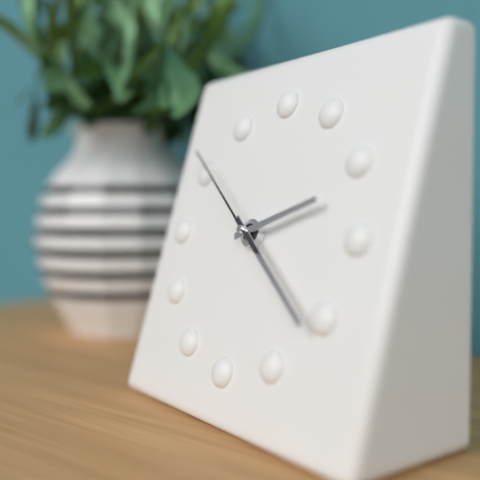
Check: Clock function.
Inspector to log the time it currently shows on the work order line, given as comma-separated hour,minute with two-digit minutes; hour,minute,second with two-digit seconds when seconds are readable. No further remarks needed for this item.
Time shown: 2,21,51
